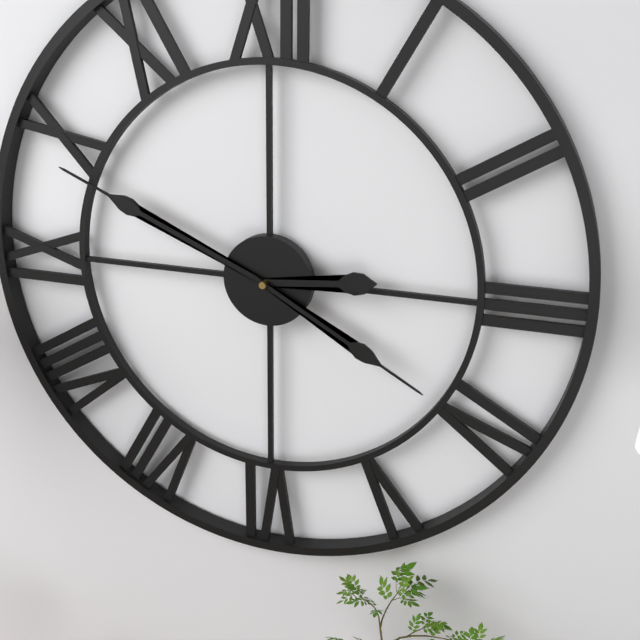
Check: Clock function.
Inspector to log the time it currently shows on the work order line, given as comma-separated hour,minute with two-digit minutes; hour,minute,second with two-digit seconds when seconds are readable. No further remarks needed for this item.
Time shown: 2,49,20
